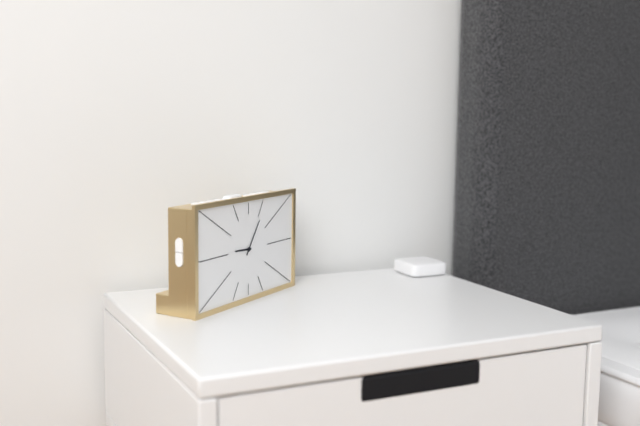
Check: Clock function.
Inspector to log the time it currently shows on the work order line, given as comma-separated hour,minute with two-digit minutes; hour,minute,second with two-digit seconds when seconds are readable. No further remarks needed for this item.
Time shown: 9,06
